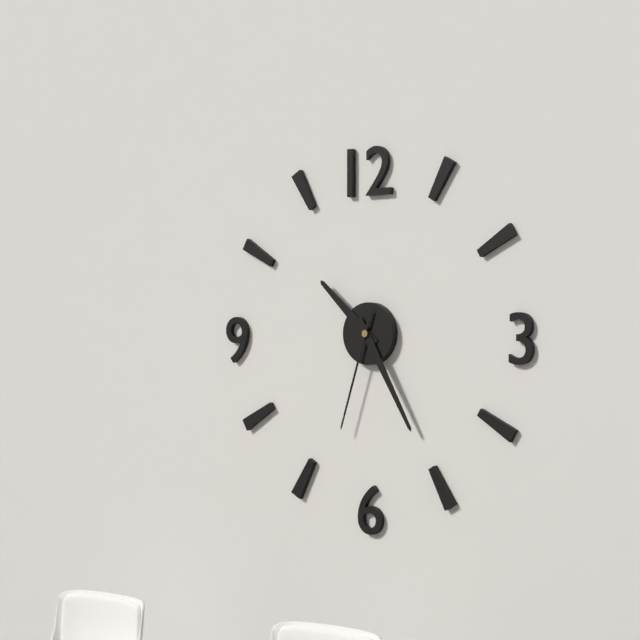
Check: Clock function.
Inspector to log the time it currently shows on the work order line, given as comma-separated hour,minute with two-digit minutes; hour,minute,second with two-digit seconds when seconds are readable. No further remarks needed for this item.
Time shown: 10,25,33
